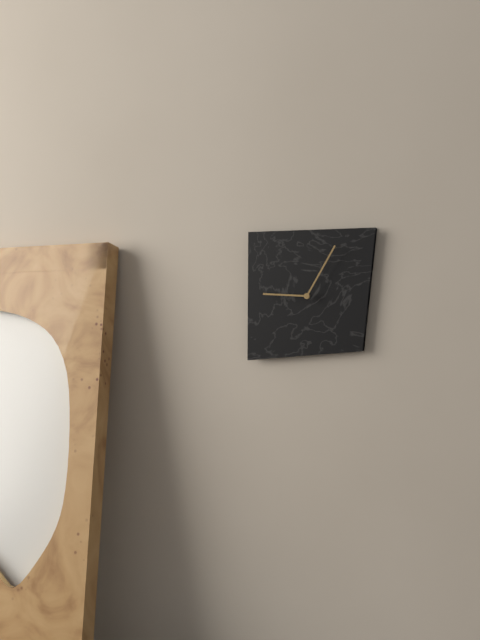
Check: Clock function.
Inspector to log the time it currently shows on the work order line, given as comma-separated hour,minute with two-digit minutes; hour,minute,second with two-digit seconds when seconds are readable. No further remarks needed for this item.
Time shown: 9,05
